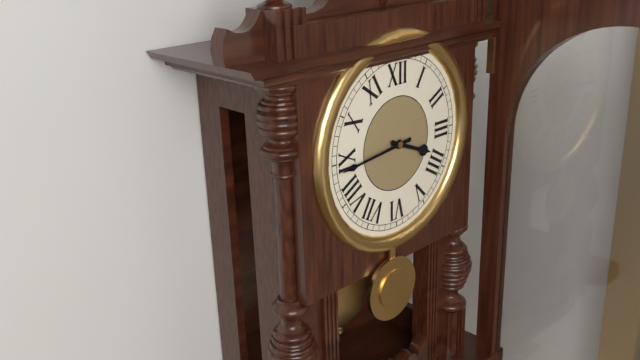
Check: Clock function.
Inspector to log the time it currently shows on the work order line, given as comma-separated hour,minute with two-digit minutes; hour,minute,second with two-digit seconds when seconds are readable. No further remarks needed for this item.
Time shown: 3,44
